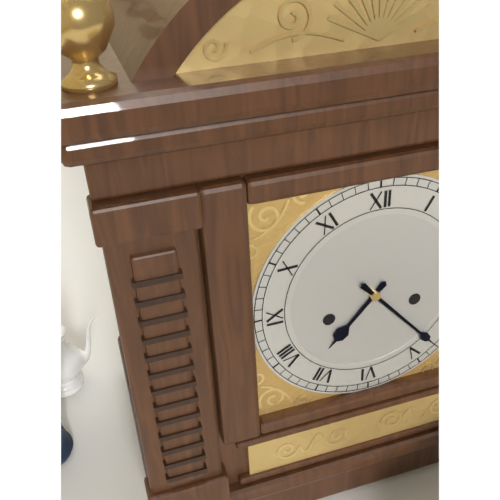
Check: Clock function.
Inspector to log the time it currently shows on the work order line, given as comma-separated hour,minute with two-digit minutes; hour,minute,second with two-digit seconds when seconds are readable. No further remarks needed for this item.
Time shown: 7,23
